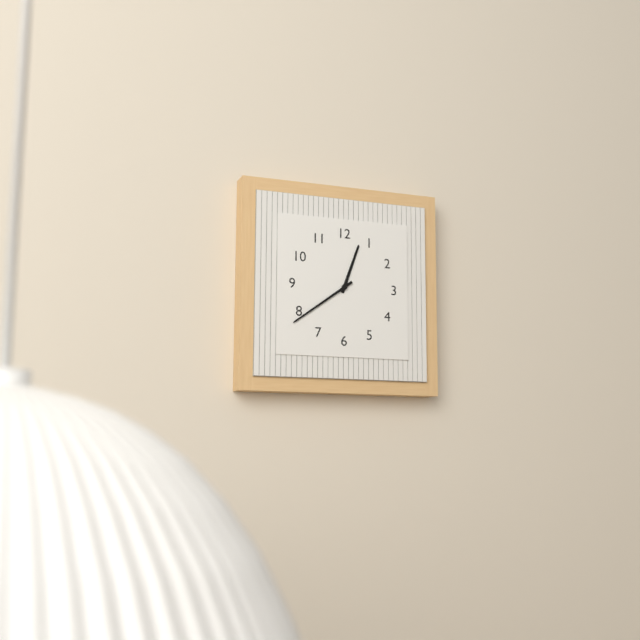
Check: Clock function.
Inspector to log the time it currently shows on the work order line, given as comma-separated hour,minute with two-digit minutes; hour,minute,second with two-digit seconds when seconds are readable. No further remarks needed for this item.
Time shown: 12,39
